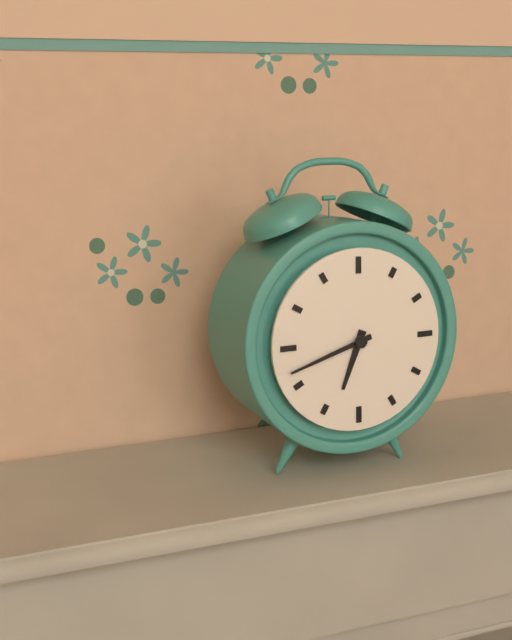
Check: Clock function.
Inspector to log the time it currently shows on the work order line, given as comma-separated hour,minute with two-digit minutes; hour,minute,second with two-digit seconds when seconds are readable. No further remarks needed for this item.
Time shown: 6,42
